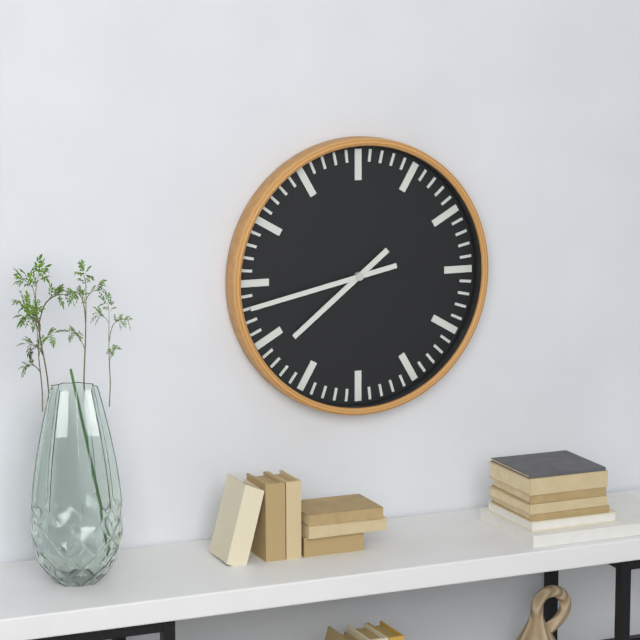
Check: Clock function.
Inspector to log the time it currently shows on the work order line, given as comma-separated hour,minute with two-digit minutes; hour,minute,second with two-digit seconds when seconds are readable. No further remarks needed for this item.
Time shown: 7,43
